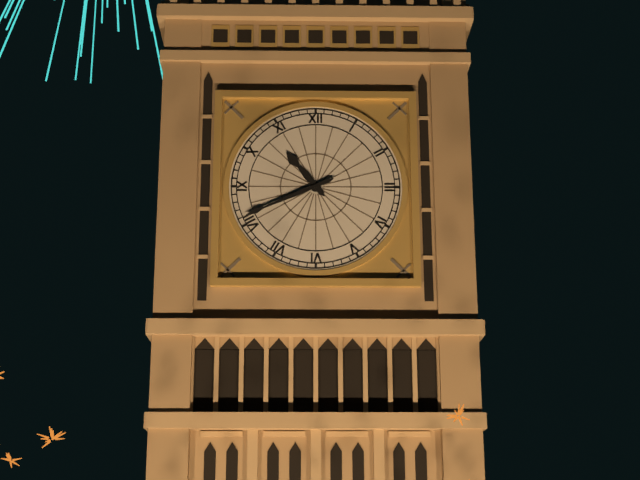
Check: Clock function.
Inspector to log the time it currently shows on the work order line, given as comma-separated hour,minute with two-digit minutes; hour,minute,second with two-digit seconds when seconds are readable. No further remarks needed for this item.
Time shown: 10,41
